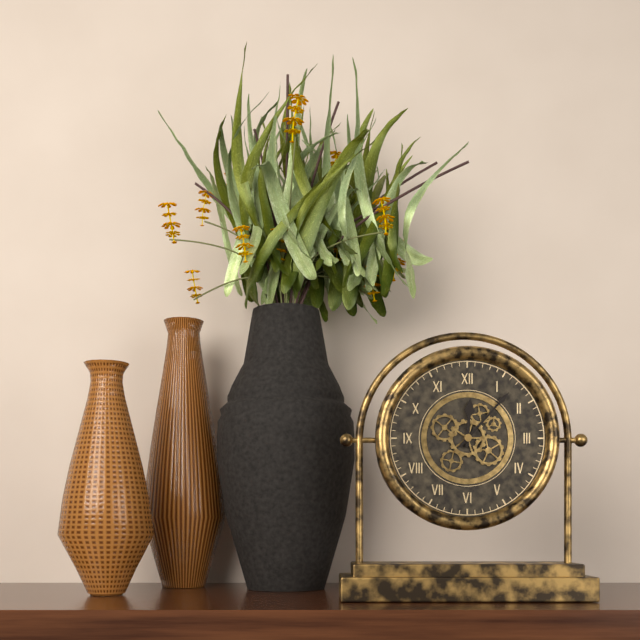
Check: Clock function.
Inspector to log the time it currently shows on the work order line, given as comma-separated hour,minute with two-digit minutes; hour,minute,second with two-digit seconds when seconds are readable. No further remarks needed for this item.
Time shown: 12,07
